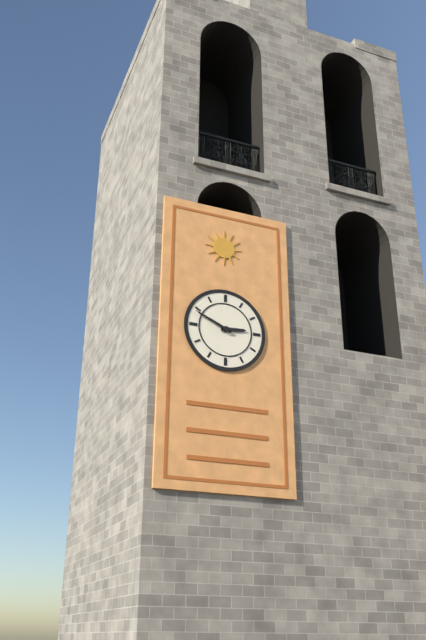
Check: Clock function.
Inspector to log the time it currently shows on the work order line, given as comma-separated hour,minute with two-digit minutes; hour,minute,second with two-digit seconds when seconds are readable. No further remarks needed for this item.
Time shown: 2,49
